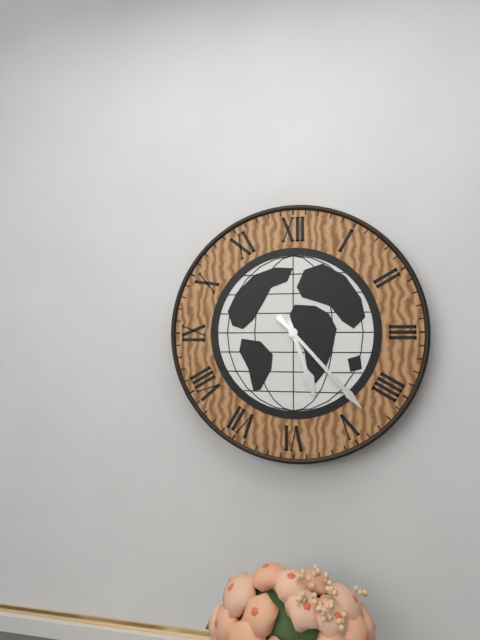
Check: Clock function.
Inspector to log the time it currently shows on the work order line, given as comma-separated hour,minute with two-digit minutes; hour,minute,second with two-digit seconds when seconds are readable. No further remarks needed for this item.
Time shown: 5,23
